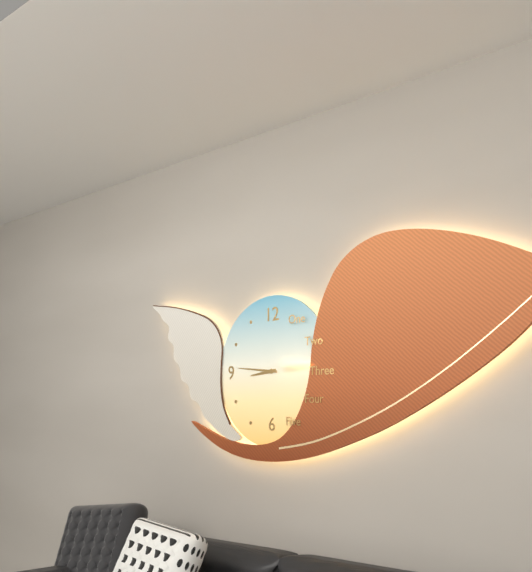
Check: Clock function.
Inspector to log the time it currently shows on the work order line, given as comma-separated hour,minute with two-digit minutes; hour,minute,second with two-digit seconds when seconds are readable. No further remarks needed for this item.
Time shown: 8,46
